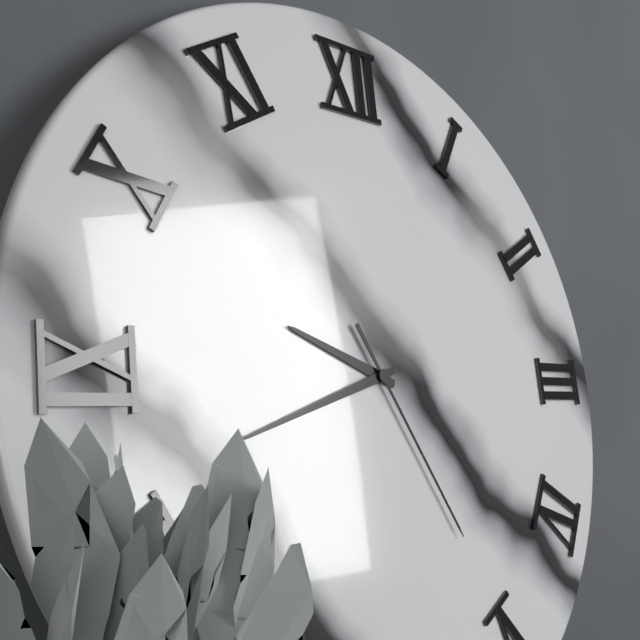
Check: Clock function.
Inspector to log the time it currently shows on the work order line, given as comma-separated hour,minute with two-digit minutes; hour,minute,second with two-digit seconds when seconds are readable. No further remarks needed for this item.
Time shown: 9,42,25
